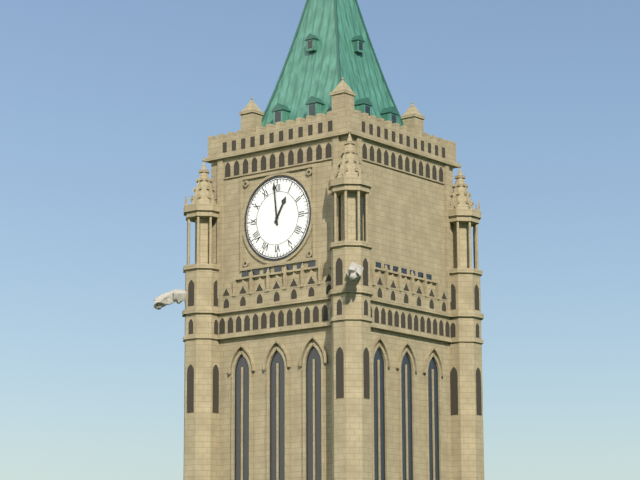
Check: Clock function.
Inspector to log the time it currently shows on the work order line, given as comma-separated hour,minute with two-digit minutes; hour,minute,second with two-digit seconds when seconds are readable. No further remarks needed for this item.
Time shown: 12,59
